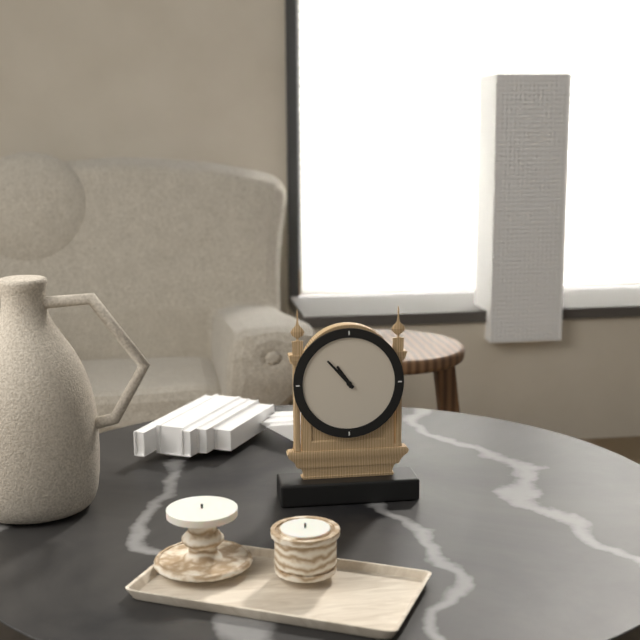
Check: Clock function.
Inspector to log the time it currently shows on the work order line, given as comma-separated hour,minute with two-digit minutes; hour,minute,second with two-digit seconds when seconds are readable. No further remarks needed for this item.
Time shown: 10,53
